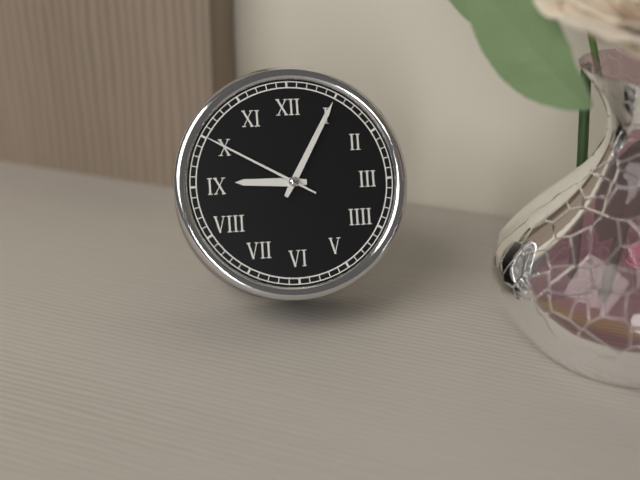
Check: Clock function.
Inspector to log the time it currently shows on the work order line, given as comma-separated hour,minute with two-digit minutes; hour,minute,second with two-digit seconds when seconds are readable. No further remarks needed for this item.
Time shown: 9,05,50
